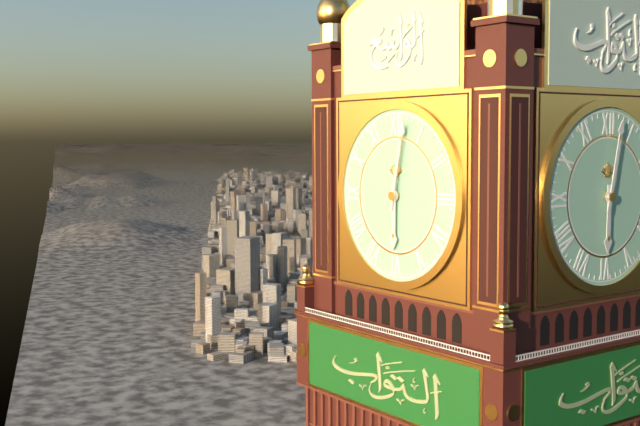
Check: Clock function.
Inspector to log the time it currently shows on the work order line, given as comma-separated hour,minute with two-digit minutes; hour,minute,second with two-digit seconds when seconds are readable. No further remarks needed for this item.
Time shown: 6,02
